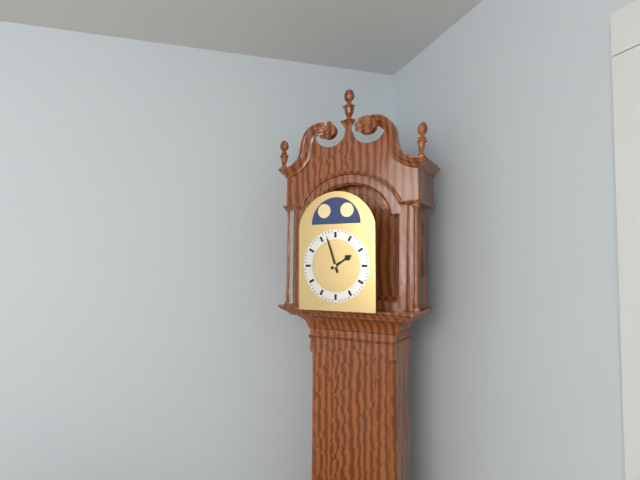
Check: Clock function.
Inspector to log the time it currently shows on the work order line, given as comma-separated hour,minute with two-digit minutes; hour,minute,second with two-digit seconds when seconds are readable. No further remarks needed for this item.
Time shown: 1,57
